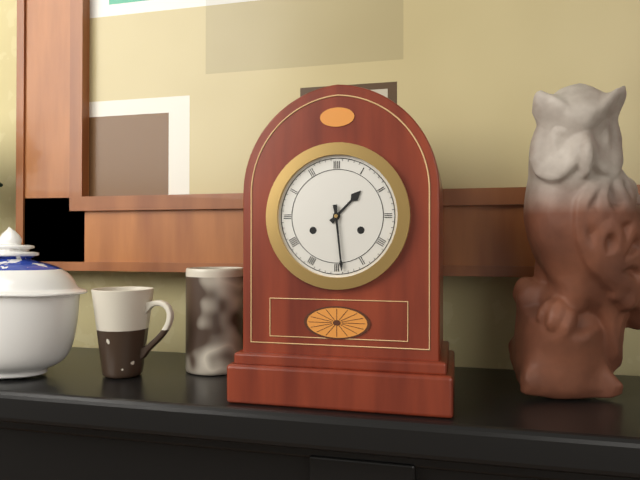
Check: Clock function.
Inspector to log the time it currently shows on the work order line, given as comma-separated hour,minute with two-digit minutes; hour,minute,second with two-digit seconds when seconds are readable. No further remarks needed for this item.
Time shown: 1,29
